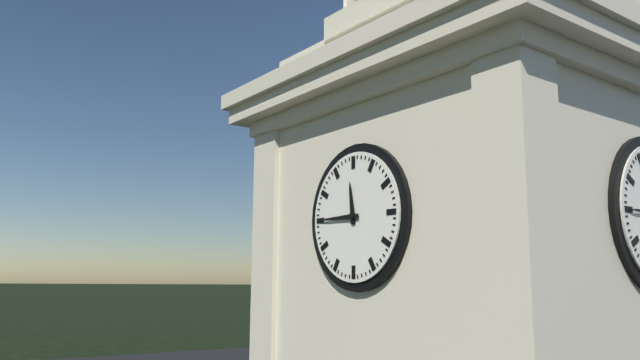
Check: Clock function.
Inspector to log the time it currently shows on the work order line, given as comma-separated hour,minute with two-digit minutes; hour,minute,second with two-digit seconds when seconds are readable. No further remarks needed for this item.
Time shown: 11,45
